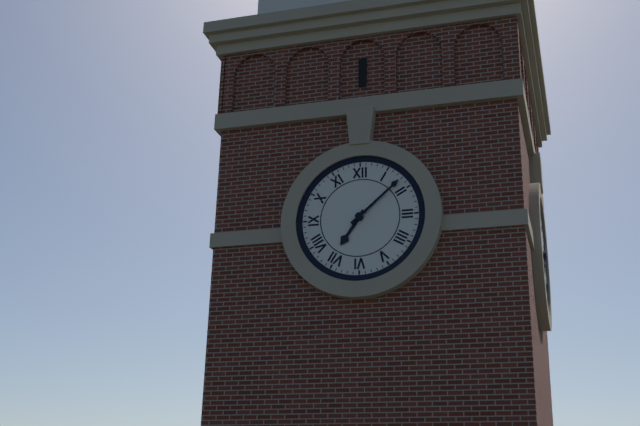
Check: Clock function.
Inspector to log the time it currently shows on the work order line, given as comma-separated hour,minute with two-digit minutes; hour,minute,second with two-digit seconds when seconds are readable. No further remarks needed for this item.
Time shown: 7,08
